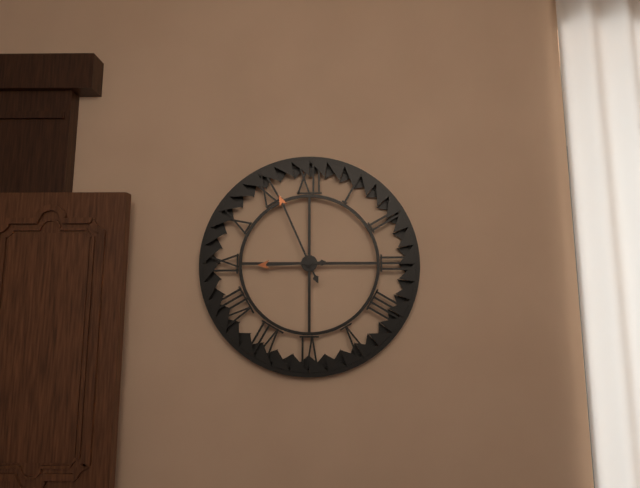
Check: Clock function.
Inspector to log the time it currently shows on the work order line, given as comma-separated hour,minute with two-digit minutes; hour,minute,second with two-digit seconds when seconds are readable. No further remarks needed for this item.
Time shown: 8,56
